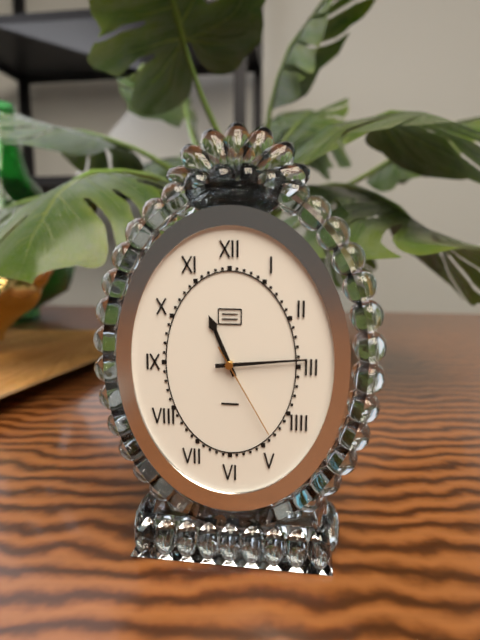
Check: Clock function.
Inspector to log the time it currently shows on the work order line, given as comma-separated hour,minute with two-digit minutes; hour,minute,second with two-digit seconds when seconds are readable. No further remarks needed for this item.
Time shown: 11,14,25
